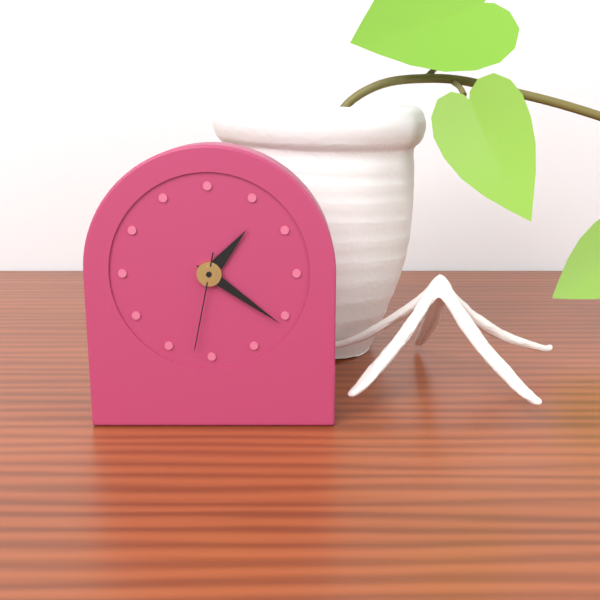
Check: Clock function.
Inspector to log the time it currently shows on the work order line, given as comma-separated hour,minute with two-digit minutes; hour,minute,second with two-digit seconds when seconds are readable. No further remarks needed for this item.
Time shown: 1,21,32
